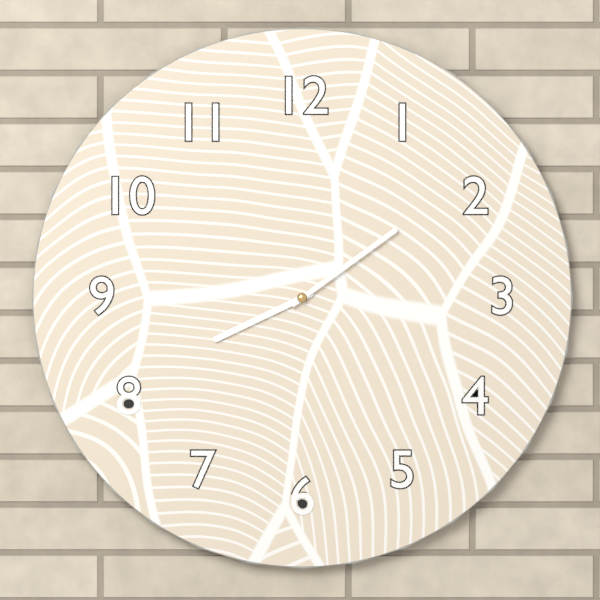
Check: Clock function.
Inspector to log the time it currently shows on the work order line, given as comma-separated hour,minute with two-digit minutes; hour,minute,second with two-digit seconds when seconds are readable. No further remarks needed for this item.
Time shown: 8,09
